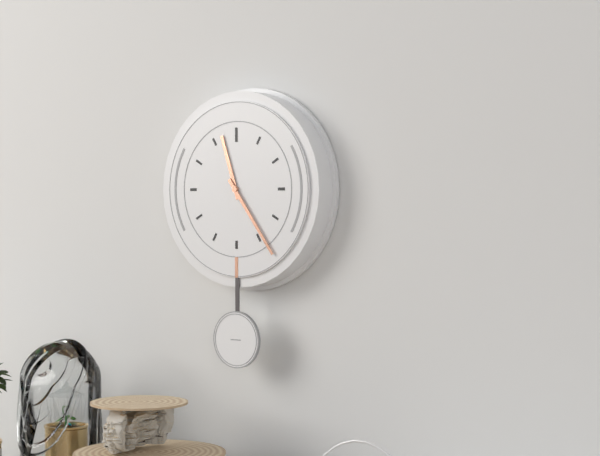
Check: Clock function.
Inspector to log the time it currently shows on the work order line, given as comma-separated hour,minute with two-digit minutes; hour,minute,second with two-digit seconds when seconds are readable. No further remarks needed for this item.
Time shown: 11,24
